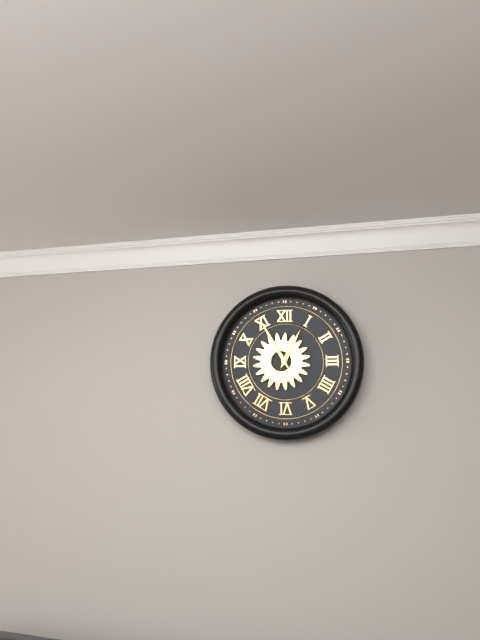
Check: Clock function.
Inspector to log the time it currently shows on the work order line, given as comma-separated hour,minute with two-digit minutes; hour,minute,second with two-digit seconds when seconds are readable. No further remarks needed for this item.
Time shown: 12,55
